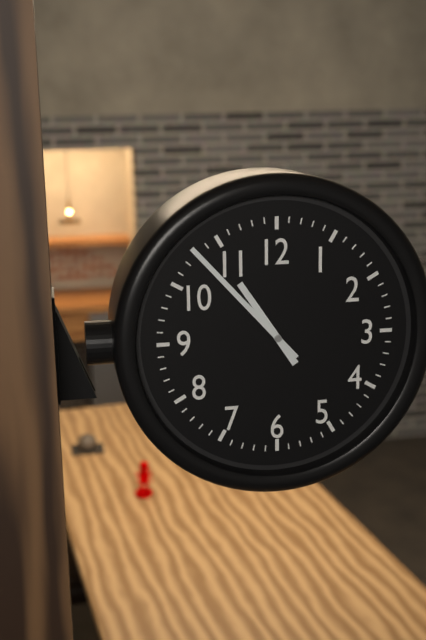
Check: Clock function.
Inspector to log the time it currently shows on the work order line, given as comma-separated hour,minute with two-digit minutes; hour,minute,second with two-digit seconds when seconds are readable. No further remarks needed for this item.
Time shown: 10,53
